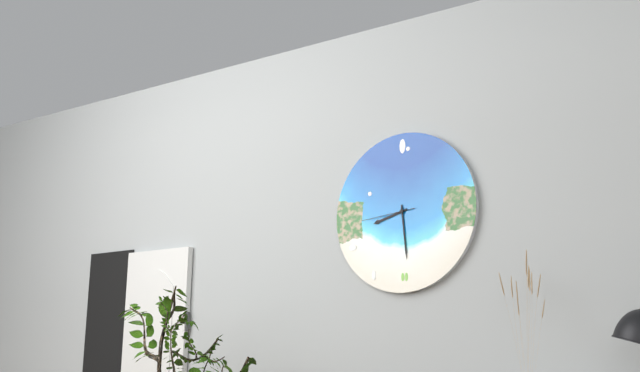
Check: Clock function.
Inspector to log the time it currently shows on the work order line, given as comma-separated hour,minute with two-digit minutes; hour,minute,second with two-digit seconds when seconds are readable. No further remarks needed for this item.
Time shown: 8,29,44
